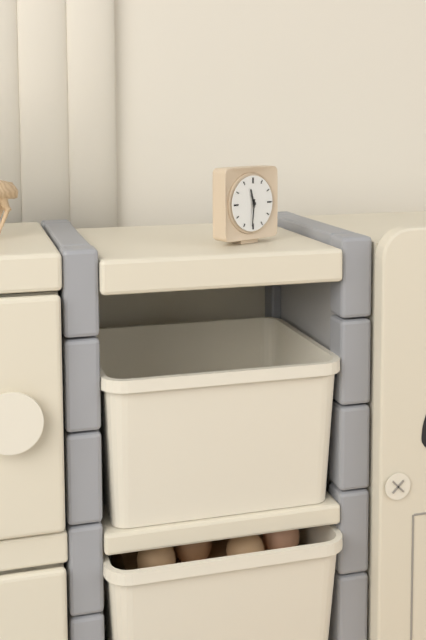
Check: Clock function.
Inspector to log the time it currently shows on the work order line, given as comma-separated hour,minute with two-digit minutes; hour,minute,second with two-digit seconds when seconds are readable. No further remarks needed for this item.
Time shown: 11,31
